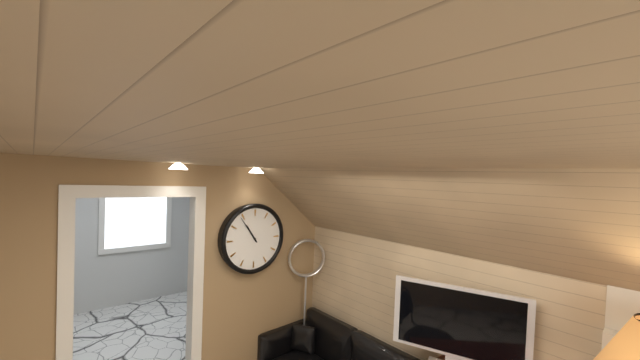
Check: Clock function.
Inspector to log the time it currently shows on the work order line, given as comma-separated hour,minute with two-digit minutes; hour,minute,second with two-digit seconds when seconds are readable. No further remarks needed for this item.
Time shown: 10,54
